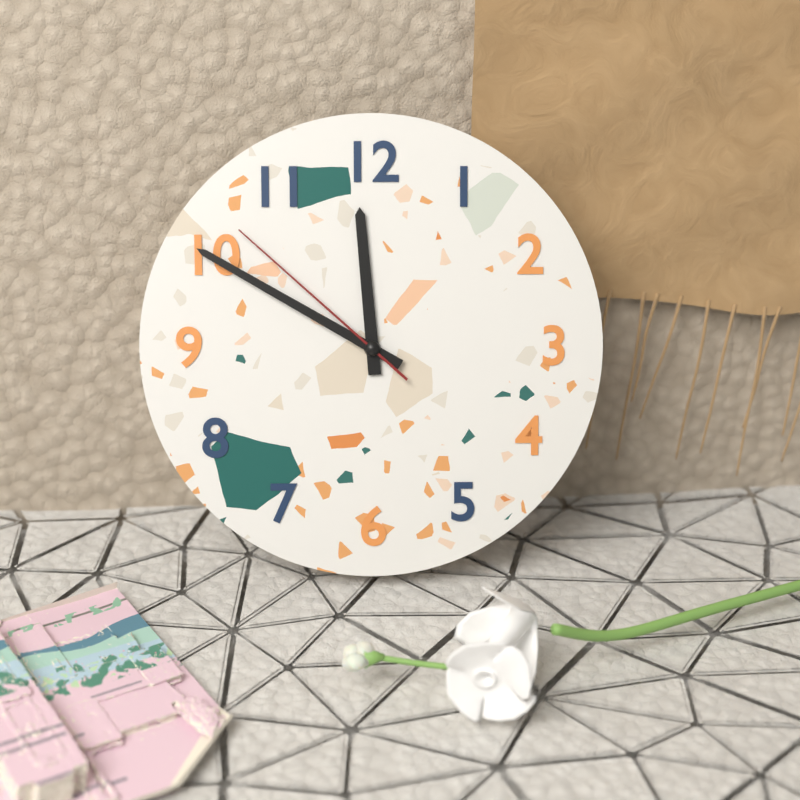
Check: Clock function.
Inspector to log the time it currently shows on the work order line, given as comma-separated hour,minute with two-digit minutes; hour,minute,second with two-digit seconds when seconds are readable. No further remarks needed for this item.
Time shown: 11,50,52
